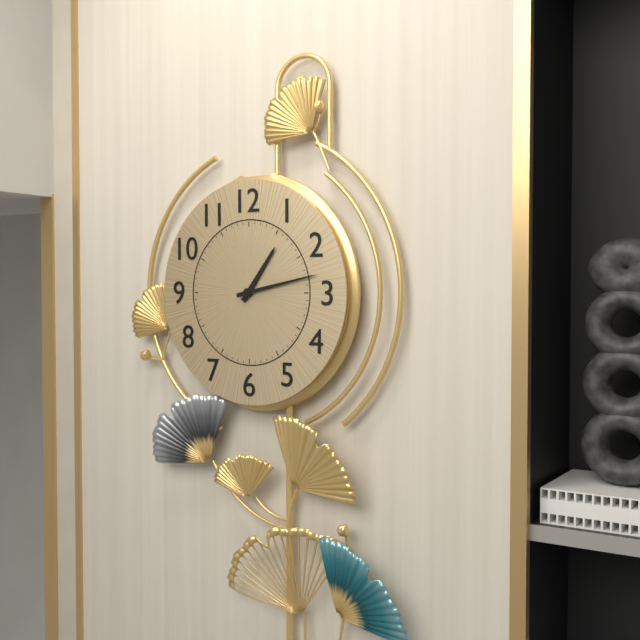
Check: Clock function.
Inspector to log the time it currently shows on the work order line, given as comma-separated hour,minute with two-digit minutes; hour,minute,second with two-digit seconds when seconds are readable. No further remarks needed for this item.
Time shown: 1,13
